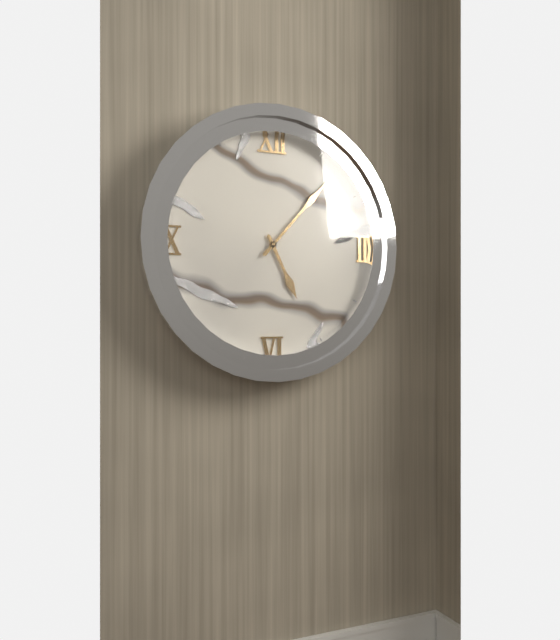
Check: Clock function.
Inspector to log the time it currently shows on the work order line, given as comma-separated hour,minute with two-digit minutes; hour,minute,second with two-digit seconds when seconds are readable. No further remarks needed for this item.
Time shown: 5,07
